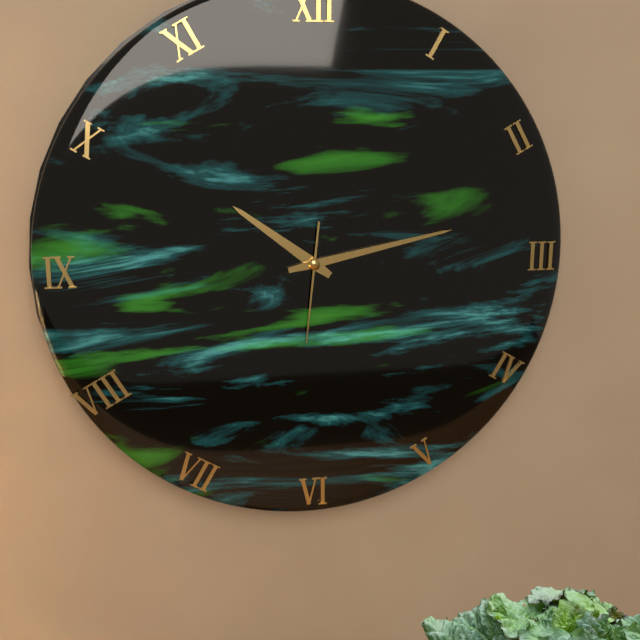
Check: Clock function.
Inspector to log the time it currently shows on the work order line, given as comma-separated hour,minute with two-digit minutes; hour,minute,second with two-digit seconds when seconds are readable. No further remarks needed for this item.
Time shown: 10,13,31
